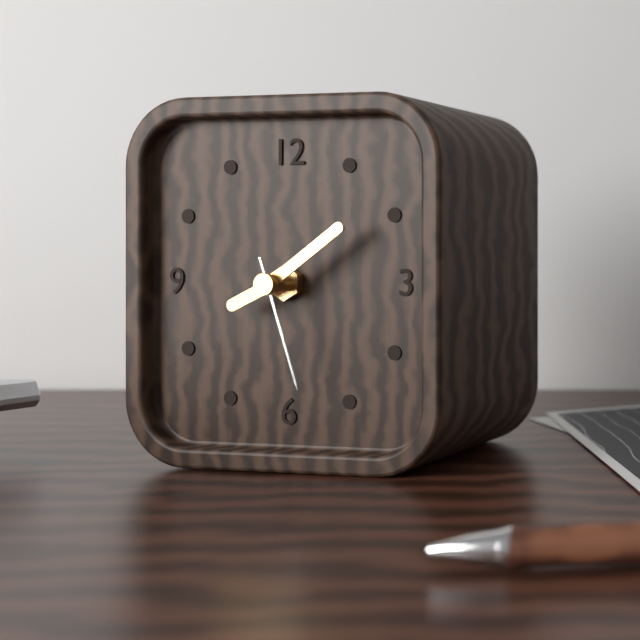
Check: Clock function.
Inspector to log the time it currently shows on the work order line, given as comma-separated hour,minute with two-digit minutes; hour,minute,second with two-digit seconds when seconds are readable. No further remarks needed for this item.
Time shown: 8,09,27
